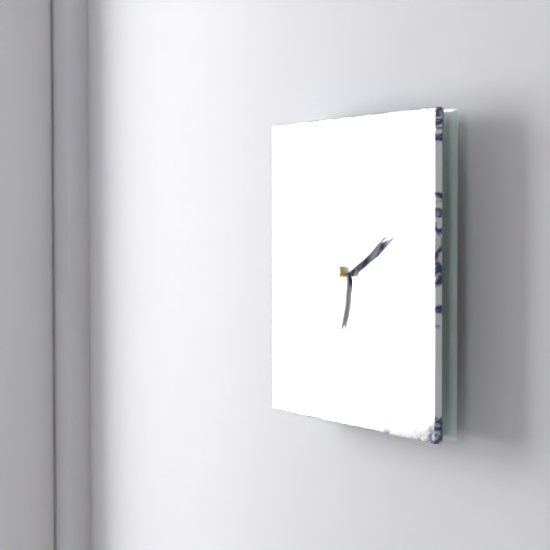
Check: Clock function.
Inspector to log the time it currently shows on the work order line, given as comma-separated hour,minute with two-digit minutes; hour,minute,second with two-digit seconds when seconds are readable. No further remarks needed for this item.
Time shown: 6,11
